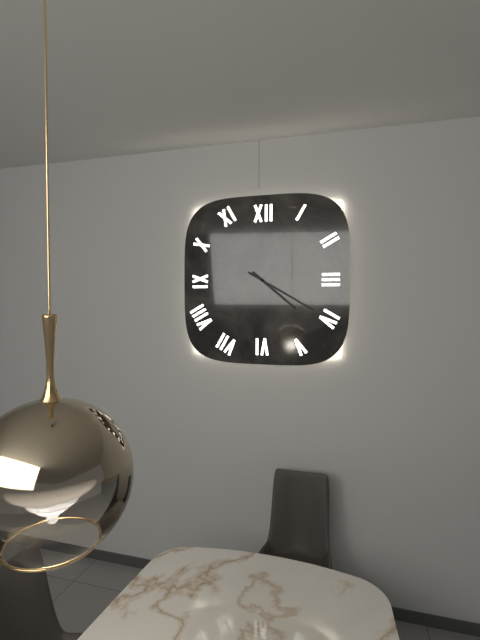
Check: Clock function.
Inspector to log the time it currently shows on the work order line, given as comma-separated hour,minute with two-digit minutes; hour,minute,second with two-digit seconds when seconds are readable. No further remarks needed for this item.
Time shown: 4,20
